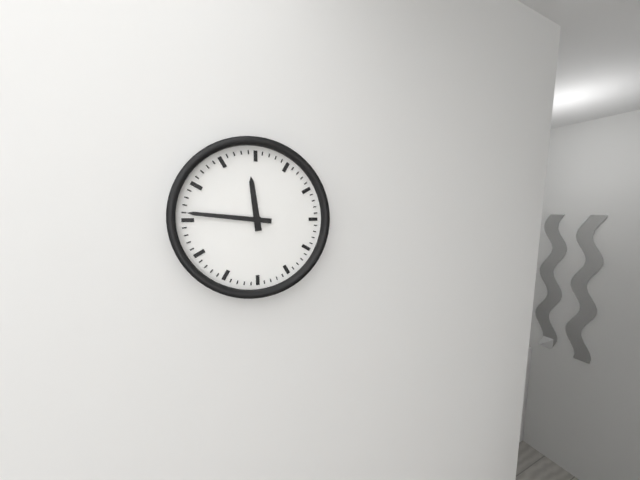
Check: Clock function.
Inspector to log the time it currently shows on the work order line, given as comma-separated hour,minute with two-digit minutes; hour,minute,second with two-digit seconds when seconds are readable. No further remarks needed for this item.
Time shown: 11,46
